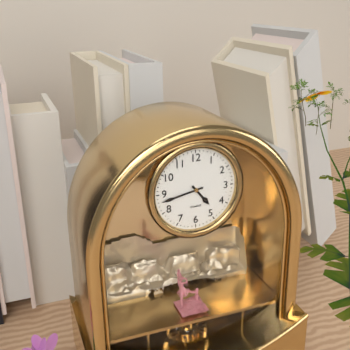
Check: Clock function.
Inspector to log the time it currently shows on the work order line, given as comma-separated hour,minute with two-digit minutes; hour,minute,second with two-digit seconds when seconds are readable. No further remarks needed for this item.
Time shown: 4,43
